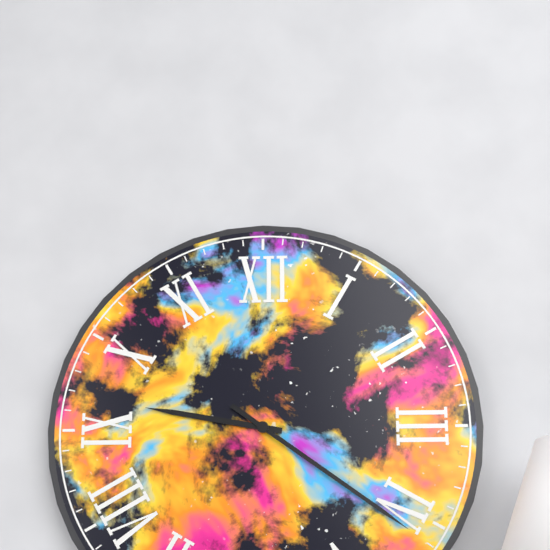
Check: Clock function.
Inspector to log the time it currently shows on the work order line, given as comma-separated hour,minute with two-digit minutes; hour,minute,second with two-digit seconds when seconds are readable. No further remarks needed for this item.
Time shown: 9,21
